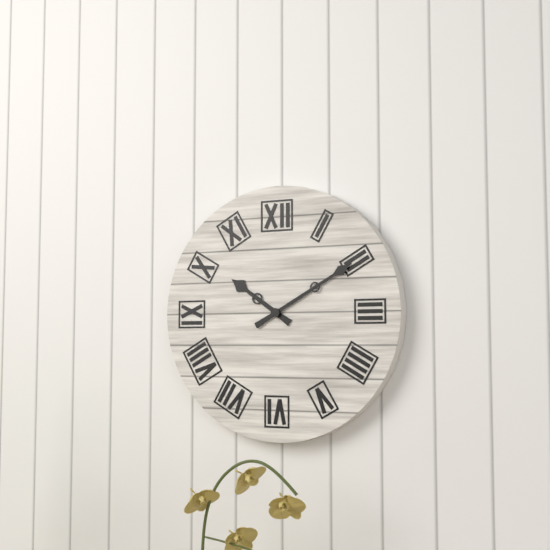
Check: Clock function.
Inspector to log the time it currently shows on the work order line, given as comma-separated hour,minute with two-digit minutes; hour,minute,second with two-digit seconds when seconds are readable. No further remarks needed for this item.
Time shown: 10,10
